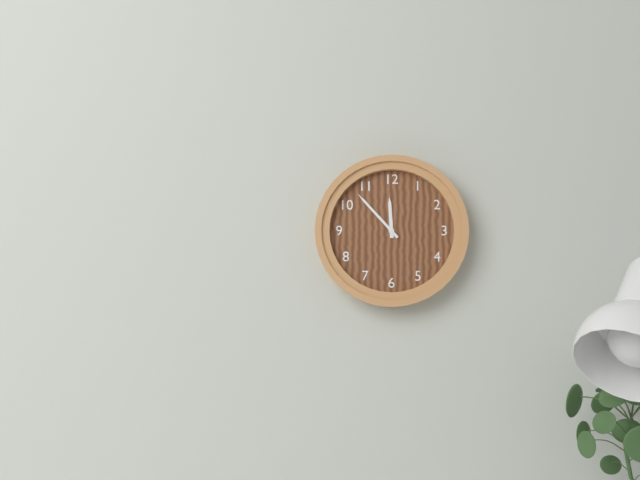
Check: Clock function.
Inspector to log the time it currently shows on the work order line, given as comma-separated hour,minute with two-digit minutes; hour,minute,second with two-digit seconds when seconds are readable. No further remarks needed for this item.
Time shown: 11,53
